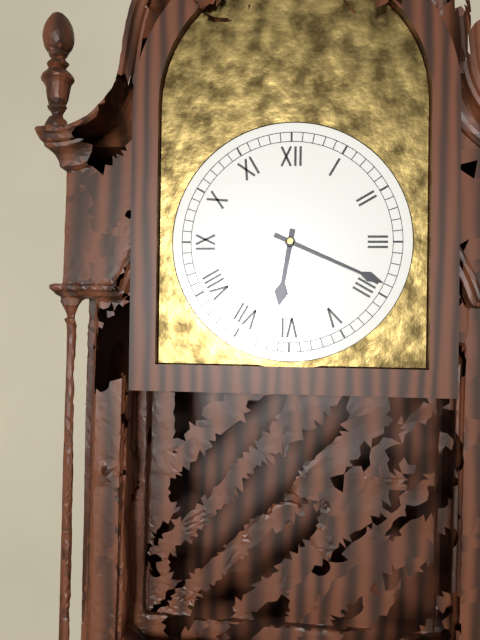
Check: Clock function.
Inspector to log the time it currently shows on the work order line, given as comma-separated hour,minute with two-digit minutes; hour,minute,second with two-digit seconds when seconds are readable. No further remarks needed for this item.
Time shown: 6,19
